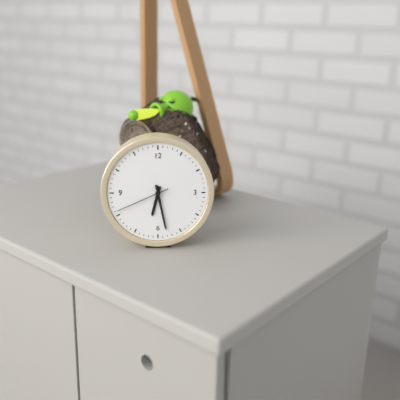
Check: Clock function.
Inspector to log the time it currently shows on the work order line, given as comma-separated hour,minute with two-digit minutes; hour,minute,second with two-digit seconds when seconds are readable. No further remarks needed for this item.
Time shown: 6,28,41
